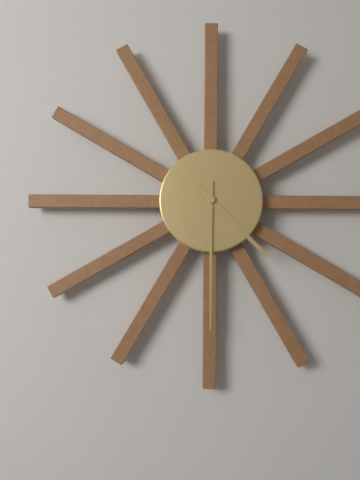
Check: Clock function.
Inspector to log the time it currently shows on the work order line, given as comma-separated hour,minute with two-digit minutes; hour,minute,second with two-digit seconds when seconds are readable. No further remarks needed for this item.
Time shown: 4,30
